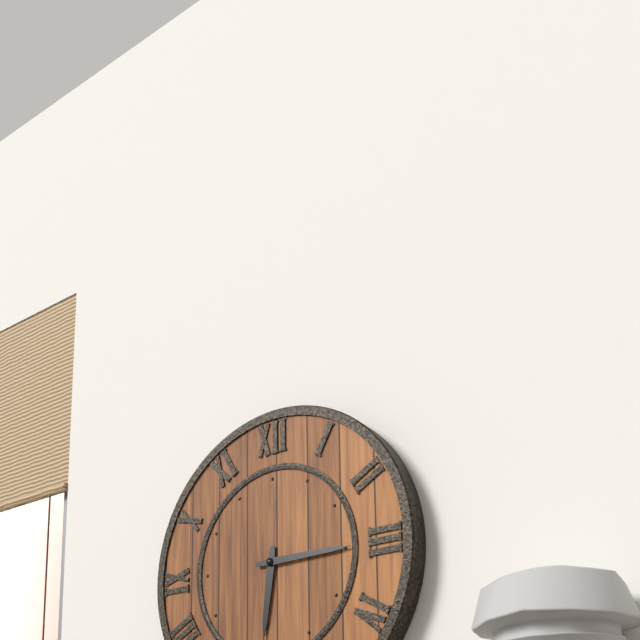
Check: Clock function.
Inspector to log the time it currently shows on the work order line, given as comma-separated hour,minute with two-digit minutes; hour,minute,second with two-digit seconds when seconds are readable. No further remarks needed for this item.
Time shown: 6,15
